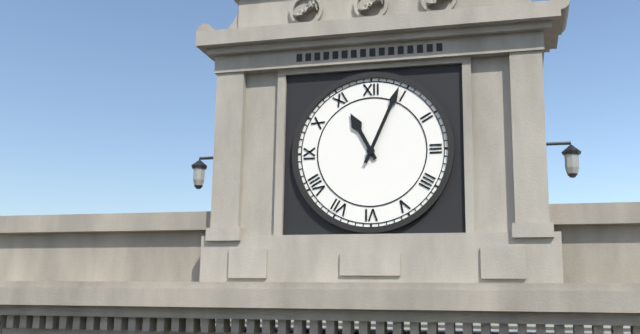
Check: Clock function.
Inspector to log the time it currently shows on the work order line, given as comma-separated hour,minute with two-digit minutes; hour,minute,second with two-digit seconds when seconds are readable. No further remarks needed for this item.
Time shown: 11,04
